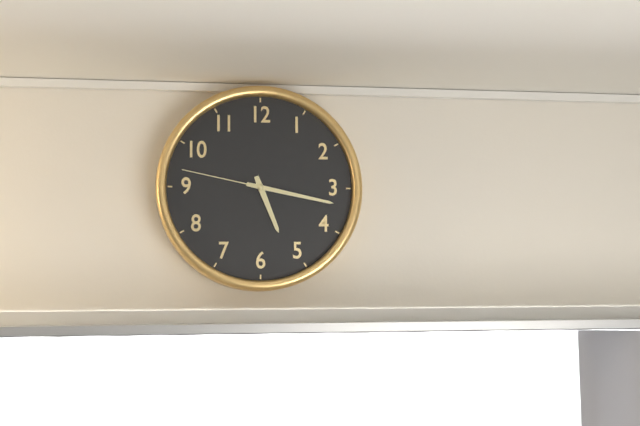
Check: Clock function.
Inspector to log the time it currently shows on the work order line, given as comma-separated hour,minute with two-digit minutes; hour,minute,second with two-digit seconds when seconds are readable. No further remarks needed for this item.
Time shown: 5,17,47
